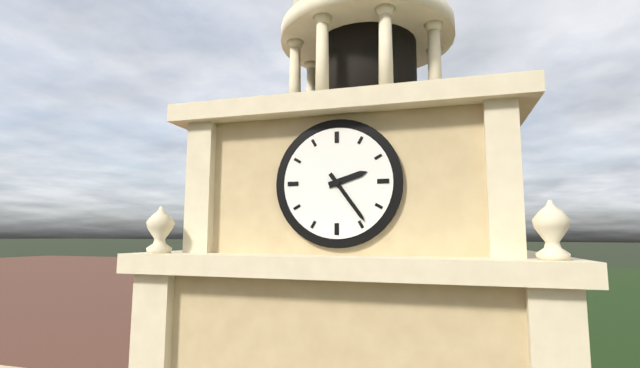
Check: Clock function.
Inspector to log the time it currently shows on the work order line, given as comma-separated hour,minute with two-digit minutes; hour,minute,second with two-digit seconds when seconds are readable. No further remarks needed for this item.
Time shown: 2,24
